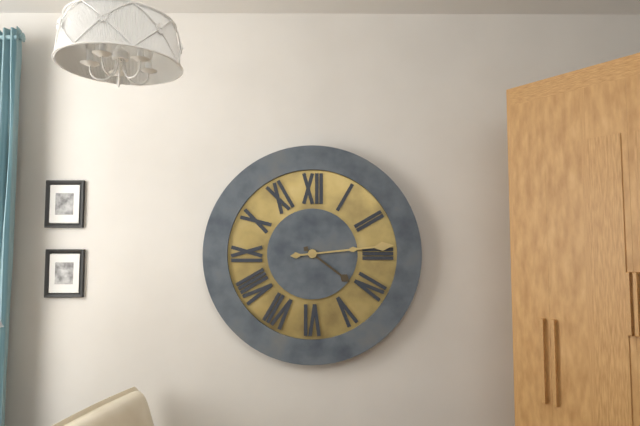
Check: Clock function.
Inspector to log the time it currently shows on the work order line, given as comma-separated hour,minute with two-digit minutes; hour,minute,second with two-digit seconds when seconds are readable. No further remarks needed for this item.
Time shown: 4,14
